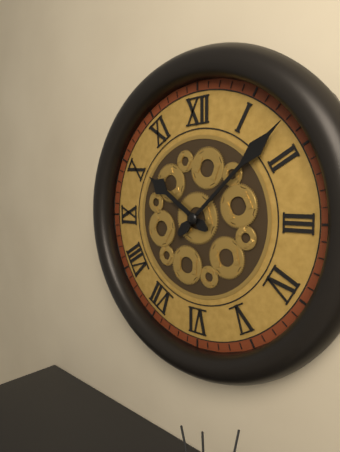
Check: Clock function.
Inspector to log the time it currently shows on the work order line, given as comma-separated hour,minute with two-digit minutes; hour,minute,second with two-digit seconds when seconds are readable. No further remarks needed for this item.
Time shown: 10,08
